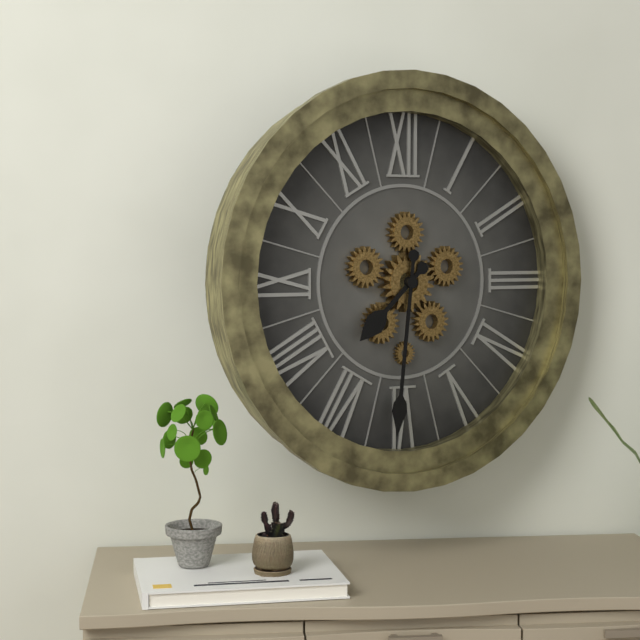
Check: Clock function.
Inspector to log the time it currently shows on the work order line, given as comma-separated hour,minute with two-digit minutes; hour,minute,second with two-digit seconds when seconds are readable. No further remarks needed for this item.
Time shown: 7,31
